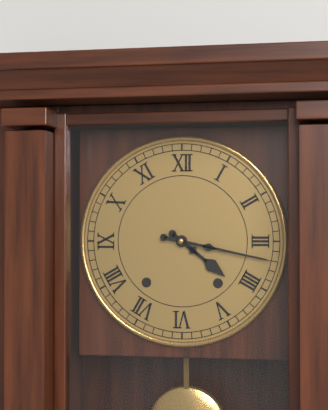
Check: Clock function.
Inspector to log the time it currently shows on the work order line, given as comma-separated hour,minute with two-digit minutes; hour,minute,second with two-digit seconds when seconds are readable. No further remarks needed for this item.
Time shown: 4,17
